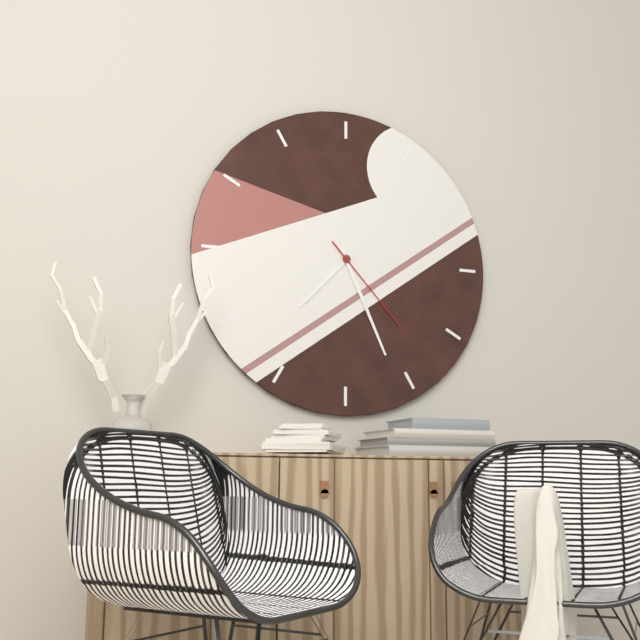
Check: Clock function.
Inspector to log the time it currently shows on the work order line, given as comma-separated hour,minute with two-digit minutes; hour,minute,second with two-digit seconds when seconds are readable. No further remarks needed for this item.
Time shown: 7,26,23
